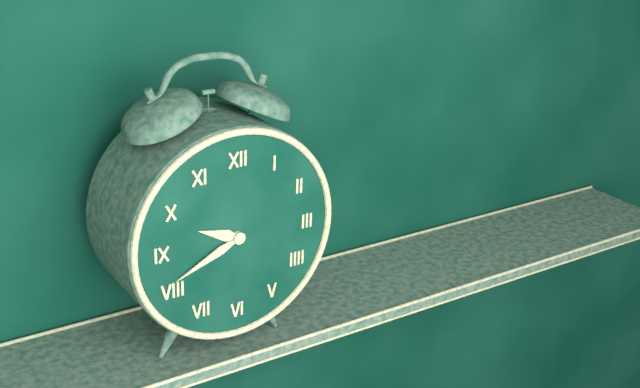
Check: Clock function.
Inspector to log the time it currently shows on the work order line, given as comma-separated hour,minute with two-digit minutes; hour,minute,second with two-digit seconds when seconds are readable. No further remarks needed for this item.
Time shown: 9,41
